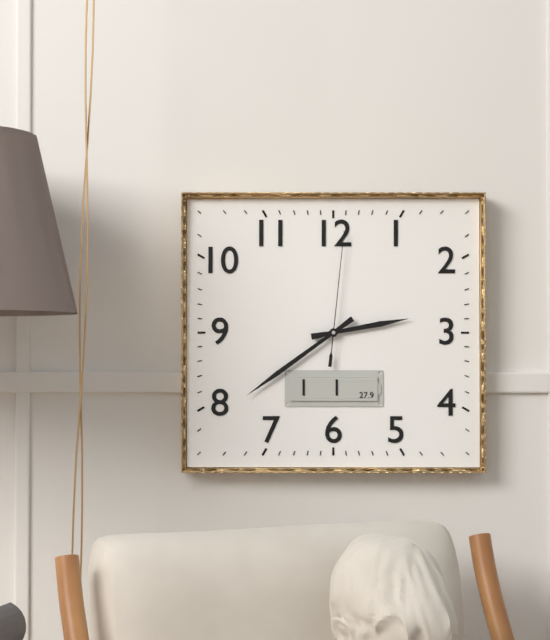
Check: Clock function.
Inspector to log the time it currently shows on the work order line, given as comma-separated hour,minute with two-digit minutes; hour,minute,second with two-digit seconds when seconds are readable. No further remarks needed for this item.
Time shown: 2,39,01
